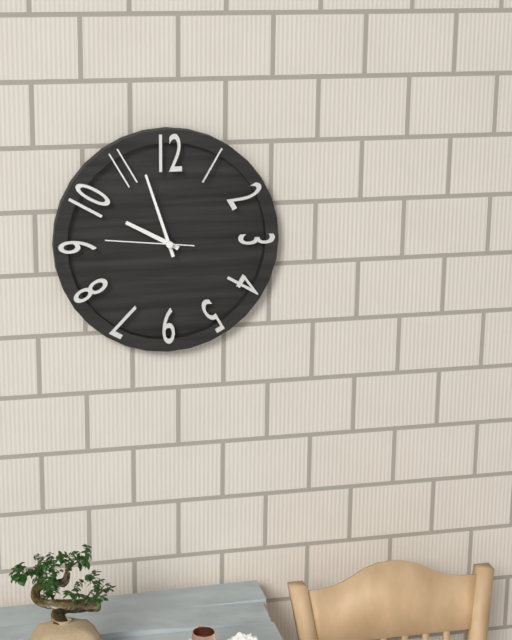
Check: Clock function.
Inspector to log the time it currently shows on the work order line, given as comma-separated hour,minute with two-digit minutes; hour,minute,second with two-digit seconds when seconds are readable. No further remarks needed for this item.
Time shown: 9,57,46
